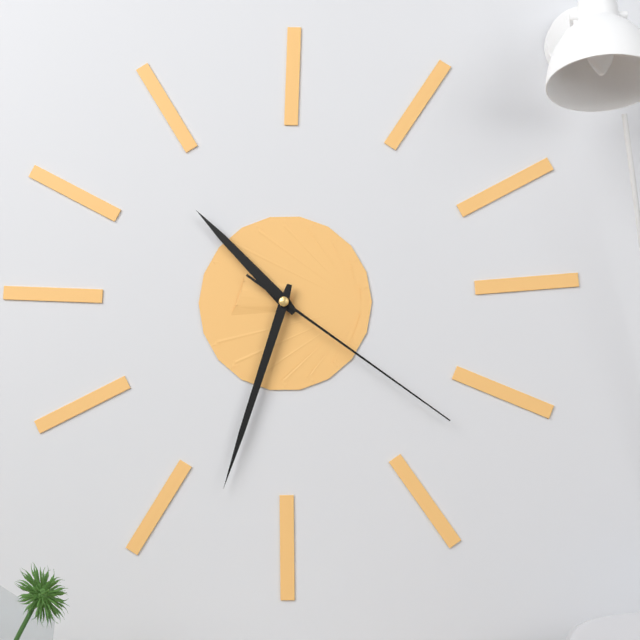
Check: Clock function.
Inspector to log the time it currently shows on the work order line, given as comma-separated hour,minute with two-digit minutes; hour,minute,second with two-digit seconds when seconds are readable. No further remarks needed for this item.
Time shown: 10,33,21
